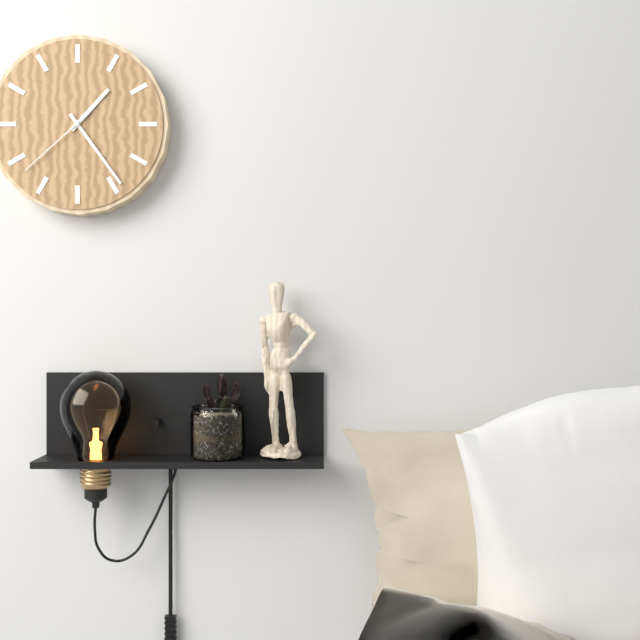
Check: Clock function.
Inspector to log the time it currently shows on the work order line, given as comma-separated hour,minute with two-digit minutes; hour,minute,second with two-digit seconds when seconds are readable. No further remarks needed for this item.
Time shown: 1,24,38
